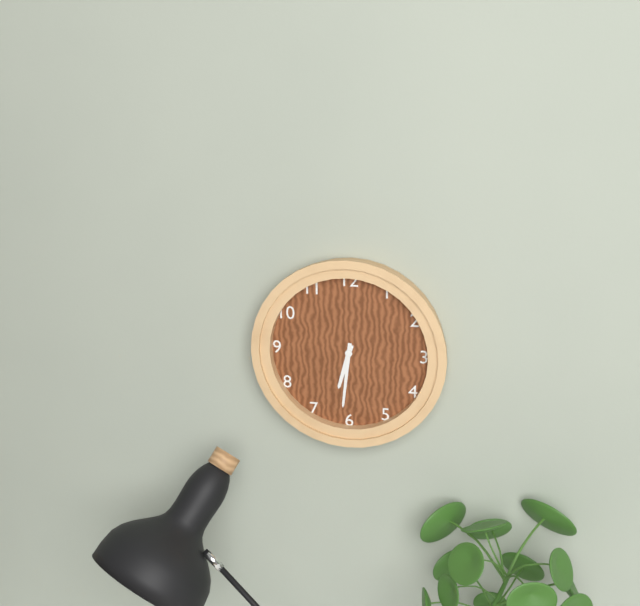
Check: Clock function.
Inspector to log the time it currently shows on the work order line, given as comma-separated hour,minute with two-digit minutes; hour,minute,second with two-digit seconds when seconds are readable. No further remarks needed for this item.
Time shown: 6,31
